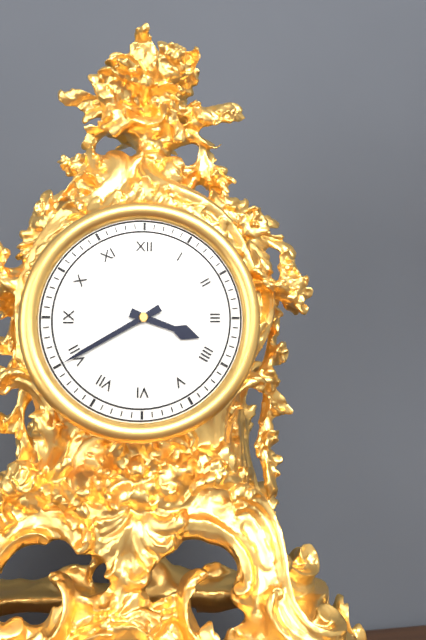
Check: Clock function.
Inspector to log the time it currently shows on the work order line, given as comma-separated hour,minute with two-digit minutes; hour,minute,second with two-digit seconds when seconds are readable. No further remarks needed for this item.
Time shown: 3,40
